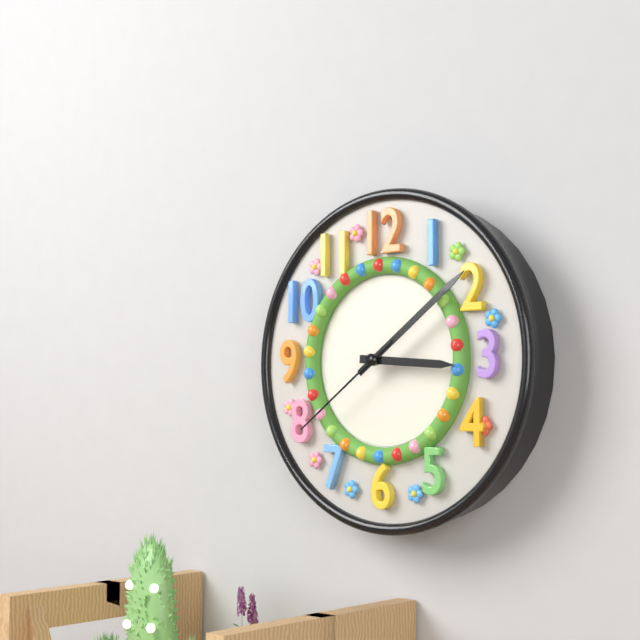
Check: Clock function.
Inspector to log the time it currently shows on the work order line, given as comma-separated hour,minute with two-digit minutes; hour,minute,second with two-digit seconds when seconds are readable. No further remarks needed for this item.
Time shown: 3,09,39
